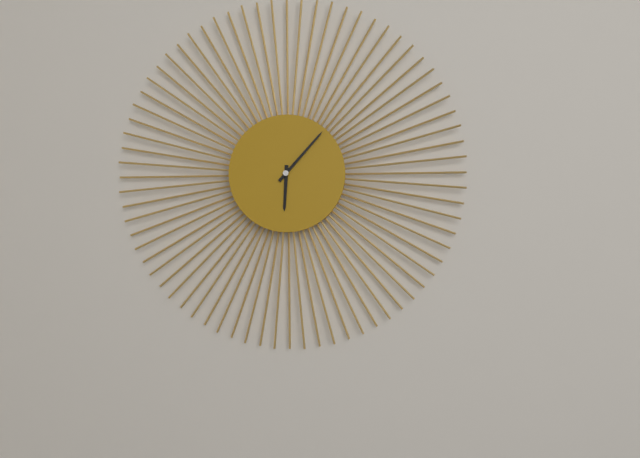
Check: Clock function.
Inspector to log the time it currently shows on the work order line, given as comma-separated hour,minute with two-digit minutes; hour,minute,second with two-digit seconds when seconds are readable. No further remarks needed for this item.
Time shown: 6,07
